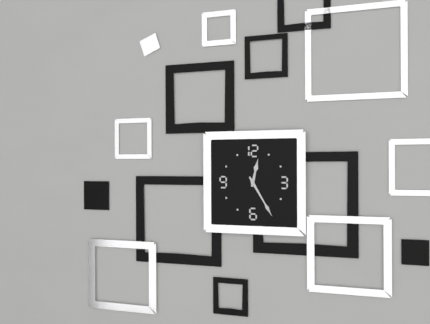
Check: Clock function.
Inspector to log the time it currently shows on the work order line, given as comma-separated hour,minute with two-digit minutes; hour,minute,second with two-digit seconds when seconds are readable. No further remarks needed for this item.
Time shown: 12,25
